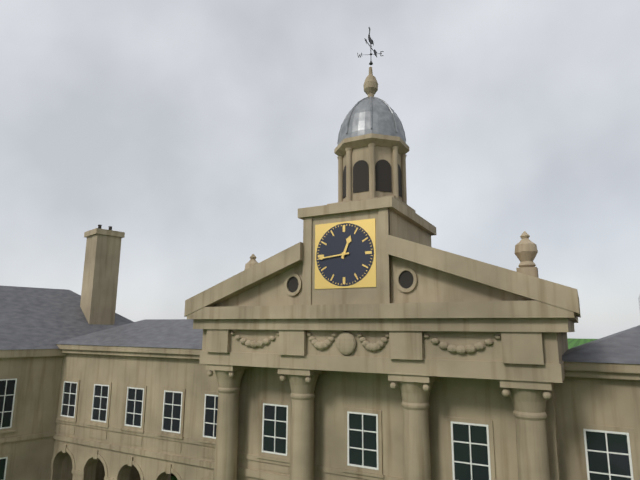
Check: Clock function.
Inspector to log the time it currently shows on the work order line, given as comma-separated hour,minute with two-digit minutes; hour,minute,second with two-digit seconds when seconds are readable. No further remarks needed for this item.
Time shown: 12,44
